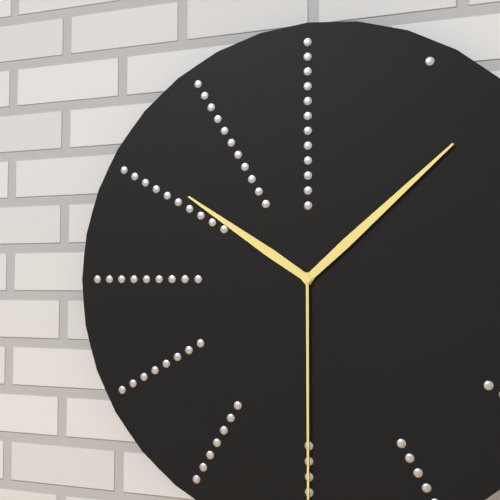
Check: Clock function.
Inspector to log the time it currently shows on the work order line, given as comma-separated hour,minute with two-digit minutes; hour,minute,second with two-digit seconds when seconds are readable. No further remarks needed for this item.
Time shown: 10,08
